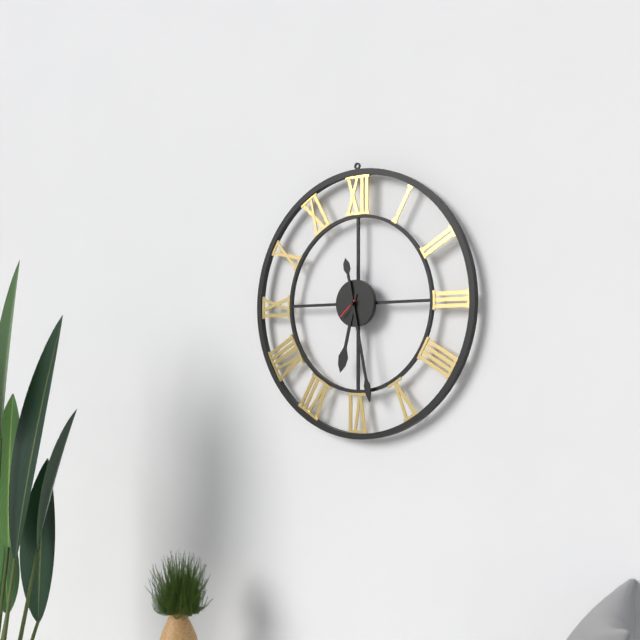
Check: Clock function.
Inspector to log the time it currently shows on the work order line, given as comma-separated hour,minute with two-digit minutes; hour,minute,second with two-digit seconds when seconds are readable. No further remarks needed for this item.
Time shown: 6,28
